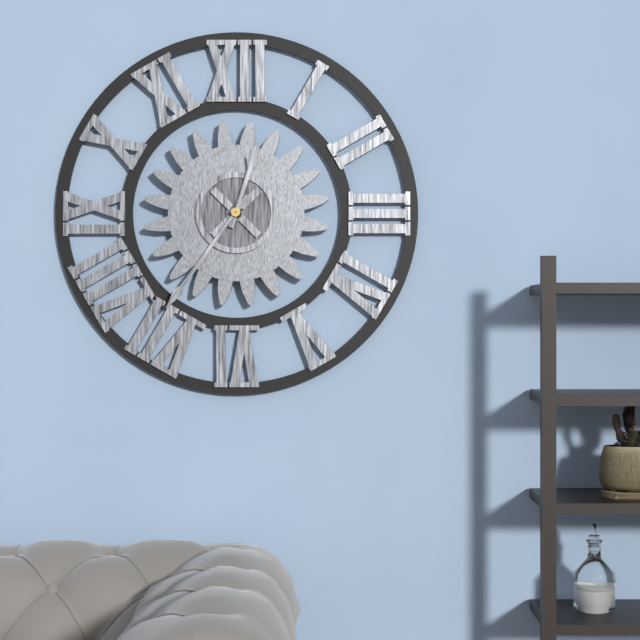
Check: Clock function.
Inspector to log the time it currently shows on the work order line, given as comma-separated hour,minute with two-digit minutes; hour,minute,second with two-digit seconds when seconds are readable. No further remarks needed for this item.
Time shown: 12,36
